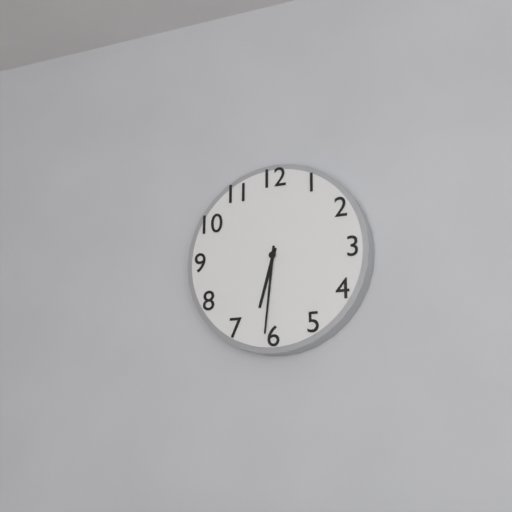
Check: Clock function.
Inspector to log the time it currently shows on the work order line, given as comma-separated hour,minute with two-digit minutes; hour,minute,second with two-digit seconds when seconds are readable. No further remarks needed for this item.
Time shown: 6,31
